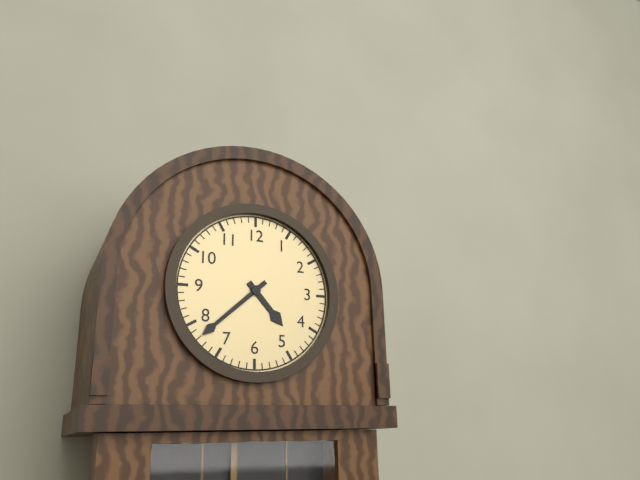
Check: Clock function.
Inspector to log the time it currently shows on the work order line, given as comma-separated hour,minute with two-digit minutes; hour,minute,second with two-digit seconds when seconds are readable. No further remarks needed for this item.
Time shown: 4,38
